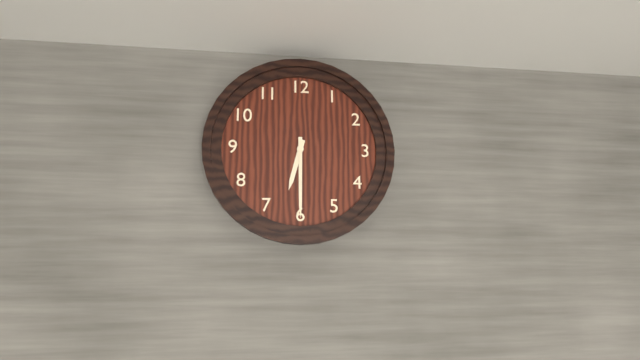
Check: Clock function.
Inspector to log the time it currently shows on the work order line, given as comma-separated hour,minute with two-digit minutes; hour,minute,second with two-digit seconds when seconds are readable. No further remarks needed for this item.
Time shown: 6,30
